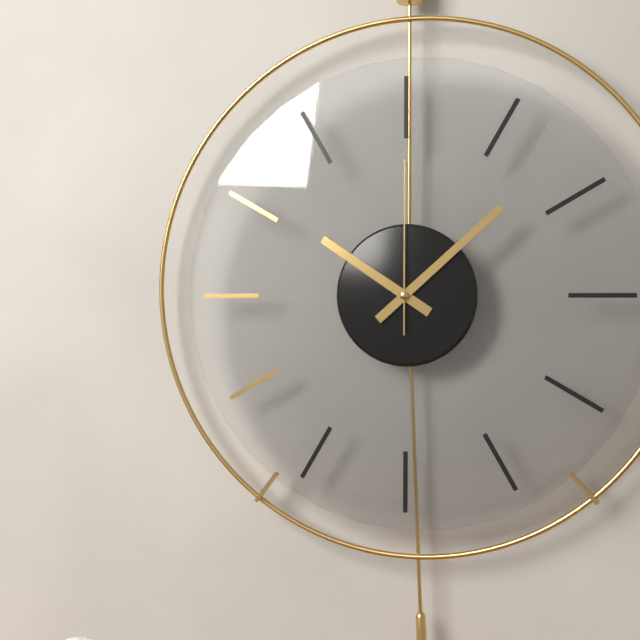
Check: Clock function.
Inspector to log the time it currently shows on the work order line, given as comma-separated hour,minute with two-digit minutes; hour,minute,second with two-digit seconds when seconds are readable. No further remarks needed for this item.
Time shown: 10,08,00
